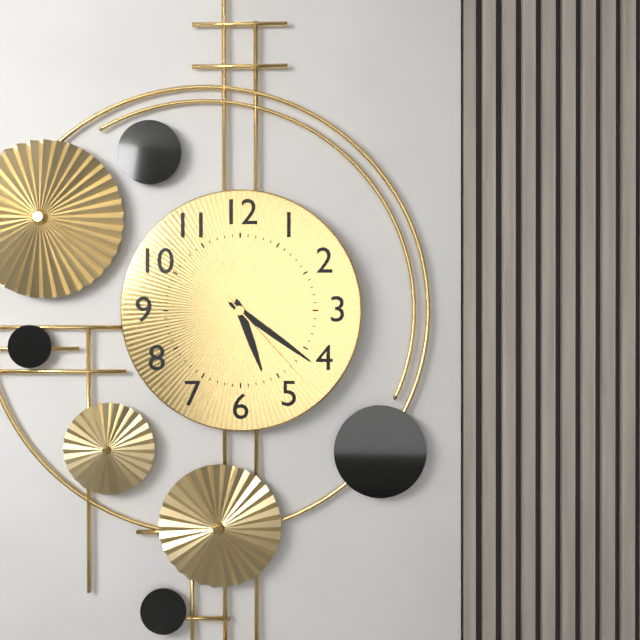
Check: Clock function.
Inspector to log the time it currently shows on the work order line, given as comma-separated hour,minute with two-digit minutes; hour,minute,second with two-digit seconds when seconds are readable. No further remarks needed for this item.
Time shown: 5,21,23
